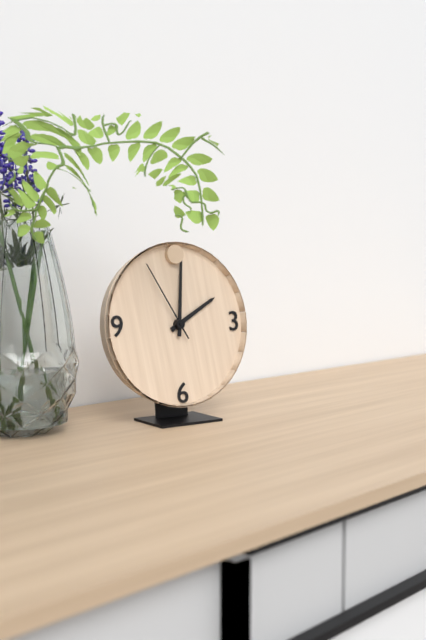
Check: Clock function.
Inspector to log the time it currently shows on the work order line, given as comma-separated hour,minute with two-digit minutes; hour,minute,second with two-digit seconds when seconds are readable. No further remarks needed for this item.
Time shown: 2,01,55
